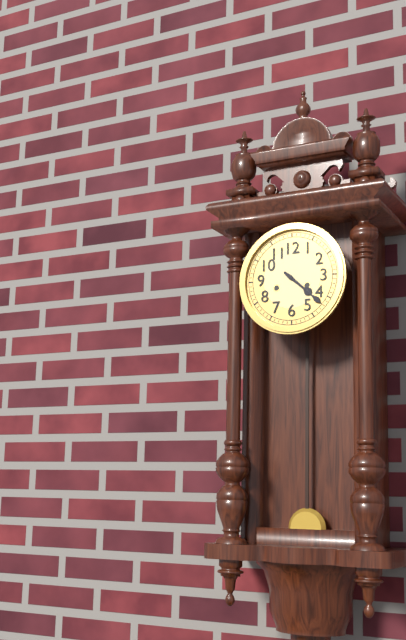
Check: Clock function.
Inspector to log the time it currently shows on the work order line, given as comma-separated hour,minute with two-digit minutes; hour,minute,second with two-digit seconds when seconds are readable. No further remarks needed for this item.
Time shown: 4,22
